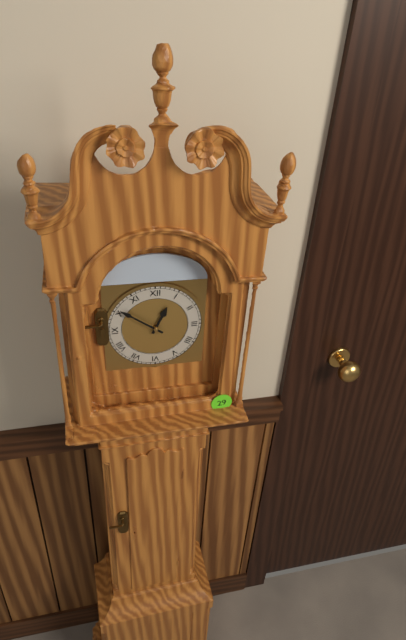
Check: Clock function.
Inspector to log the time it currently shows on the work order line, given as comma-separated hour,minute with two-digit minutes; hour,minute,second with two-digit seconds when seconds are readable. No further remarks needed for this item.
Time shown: 12,51
